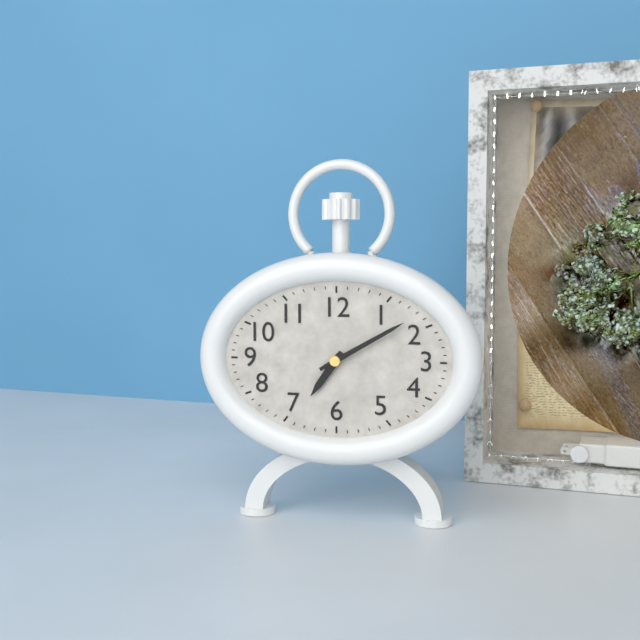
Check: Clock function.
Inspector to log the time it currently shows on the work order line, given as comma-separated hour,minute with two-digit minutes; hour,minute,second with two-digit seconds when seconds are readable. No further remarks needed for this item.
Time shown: 7,10
